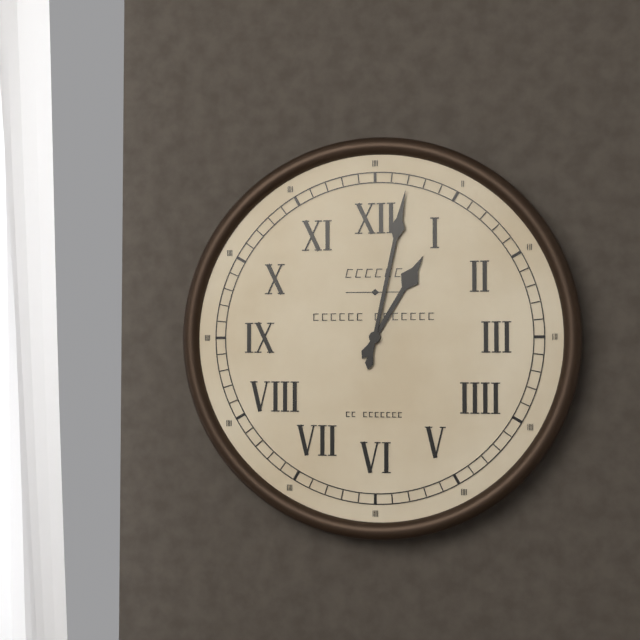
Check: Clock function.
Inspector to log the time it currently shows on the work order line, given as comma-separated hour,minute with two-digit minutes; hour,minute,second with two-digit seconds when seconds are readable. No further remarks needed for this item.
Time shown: 1,02
